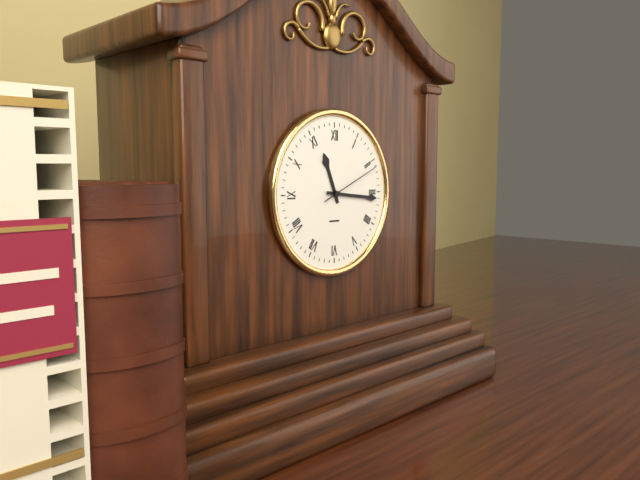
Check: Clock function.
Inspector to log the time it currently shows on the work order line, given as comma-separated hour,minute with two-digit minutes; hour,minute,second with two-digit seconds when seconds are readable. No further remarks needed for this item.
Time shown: 11,16,11
